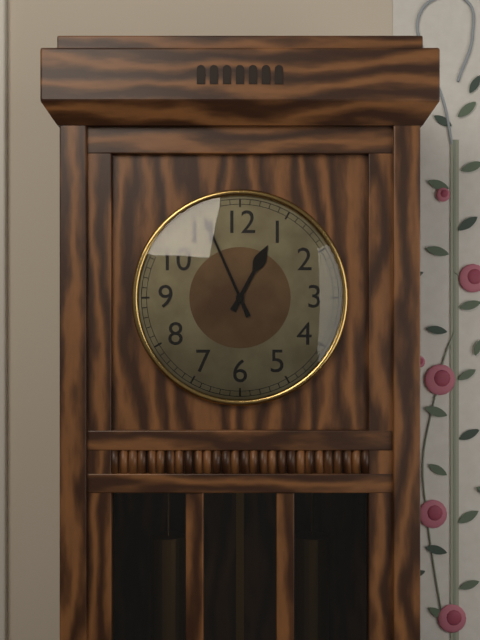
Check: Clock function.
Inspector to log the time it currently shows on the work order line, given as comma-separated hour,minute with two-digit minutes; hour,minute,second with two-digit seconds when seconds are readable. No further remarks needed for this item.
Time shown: 12,56
